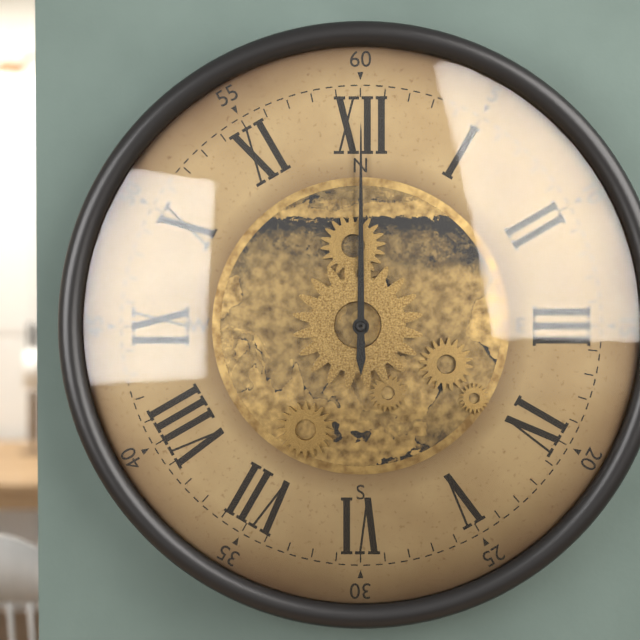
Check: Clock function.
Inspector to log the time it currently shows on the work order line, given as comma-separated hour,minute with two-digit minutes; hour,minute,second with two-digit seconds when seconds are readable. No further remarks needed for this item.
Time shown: 12,00
